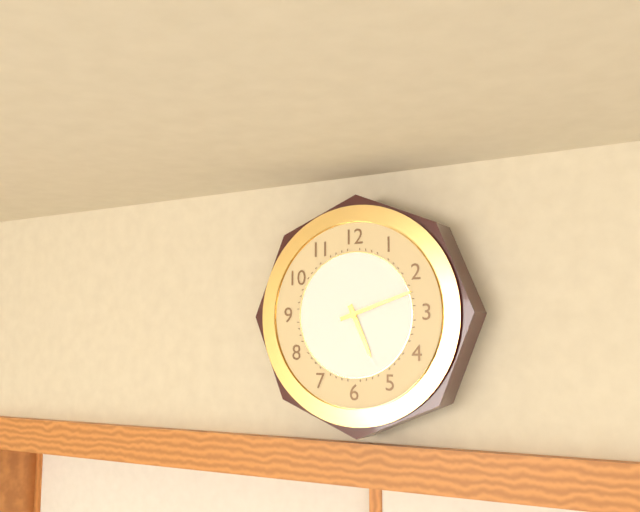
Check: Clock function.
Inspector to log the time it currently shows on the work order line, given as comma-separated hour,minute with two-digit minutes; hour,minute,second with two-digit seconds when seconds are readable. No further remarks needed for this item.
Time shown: 5,12
